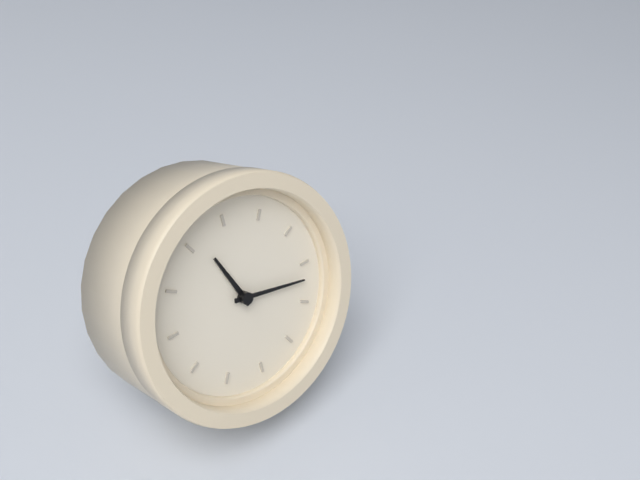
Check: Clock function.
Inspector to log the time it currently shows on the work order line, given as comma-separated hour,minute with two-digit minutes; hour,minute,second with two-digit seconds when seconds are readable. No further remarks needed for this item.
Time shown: 11,17
